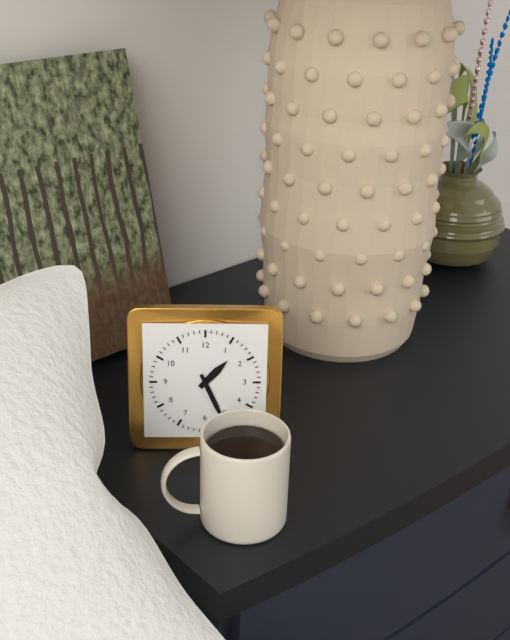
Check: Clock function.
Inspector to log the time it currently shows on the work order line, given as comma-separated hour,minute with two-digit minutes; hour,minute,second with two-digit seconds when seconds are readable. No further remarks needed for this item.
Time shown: 1,26
